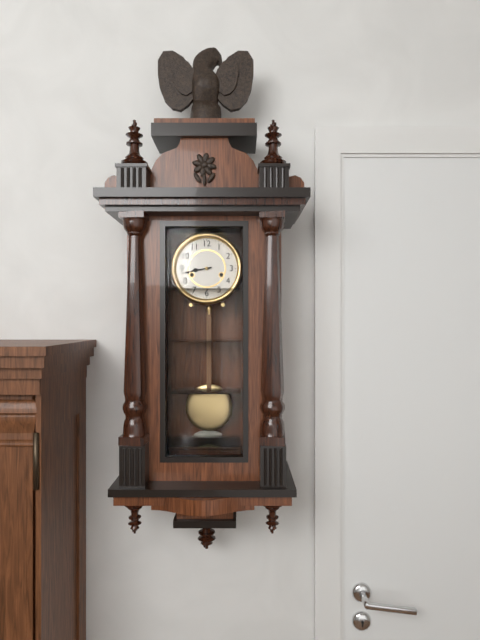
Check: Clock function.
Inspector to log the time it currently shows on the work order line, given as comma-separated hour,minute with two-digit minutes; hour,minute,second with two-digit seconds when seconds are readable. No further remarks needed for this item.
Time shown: 8,43
